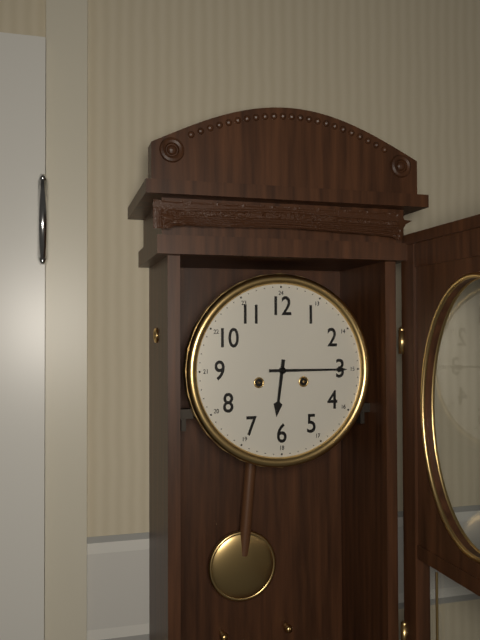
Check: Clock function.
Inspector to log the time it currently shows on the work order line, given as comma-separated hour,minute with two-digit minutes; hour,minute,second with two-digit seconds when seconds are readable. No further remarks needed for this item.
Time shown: 6,15
